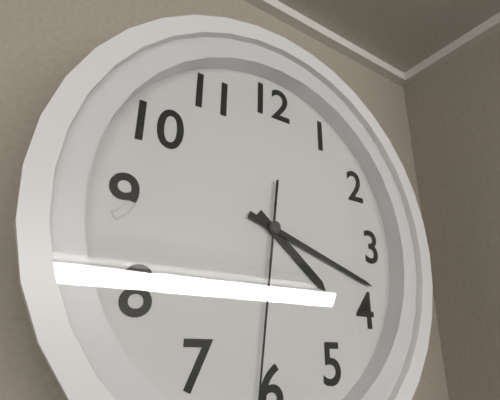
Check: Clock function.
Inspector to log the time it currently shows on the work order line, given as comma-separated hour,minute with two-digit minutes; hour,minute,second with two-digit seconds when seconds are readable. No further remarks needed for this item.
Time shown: 4,18
